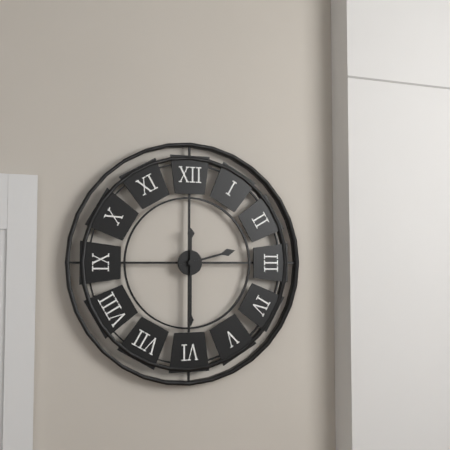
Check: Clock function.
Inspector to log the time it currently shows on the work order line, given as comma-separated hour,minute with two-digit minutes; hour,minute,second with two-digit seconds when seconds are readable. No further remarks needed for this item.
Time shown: 2,30
